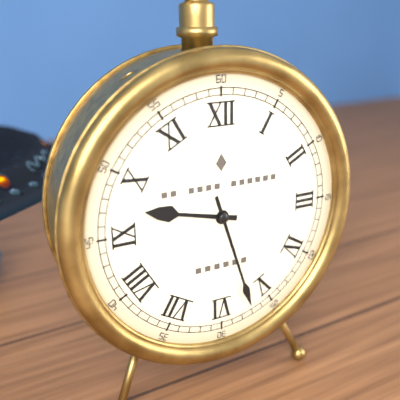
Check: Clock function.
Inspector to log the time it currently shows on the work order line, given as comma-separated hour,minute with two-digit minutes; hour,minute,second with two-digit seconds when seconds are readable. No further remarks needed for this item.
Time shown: 9,27
